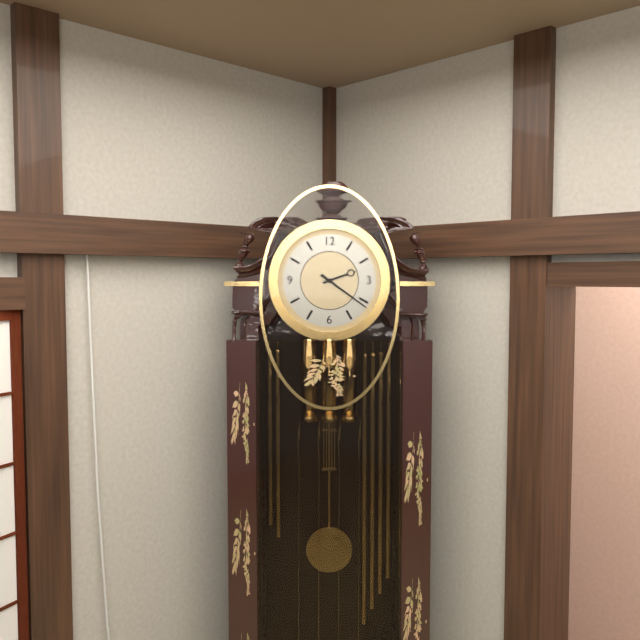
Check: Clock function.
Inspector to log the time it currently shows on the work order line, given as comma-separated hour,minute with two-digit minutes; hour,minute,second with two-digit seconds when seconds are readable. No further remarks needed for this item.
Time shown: 2,21
